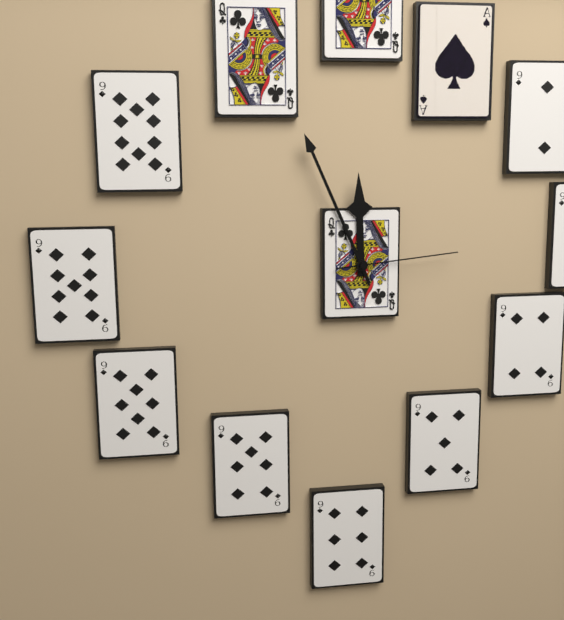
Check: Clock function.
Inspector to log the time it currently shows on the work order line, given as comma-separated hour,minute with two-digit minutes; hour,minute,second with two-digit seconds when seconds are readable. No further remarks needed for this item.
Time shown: 11,56,14
